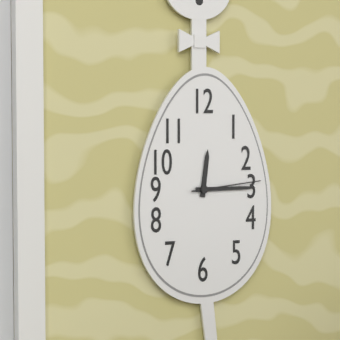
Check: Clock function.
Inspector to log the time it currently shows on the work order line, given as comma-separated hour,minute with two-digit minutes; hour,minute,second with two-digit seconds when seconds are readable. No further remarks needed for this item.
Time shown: 12,15,14
